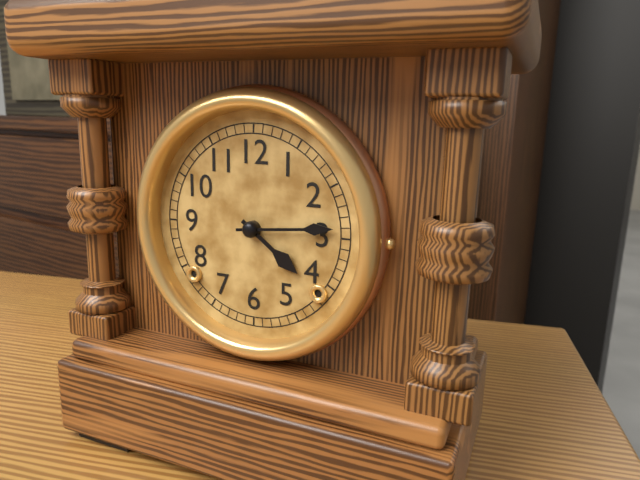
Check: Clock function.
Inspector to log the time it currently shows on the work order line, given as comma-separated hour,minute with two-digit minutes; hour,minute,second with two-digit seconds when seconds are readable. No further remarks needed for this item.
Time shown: 4,14
